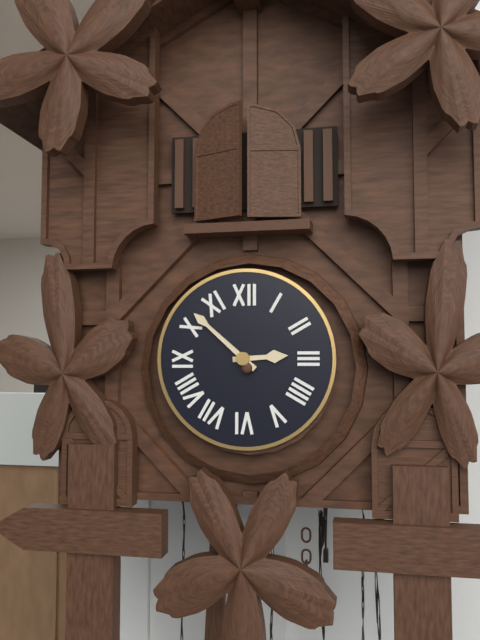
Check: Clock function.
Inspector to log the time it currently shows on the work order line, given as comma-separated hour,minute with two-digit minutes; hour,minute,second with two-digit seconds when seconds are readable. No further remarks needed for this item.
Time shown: 2,52
